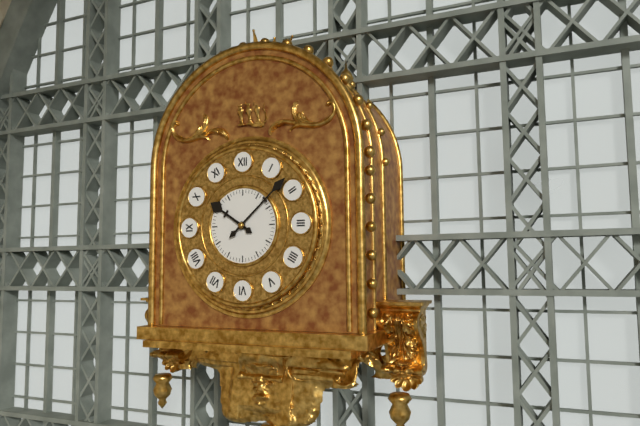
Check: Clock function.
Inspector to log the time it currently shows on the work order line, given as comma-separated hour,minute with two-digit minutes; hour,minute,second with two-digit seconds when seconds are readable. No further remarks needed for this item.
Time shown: 10,08
